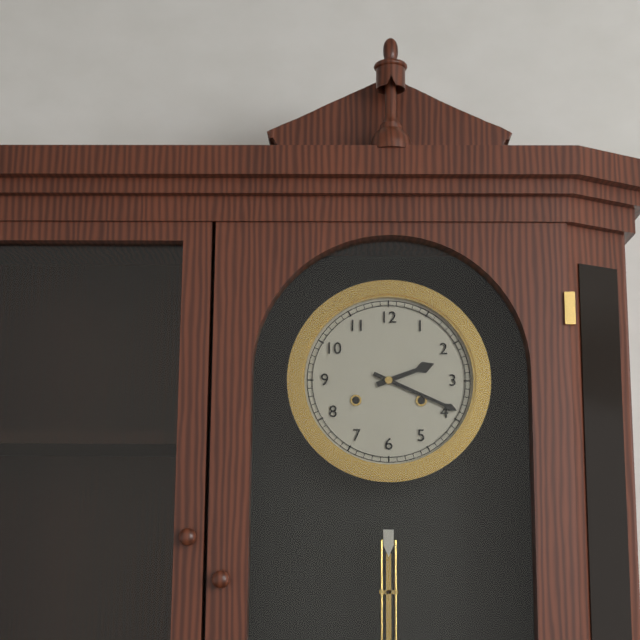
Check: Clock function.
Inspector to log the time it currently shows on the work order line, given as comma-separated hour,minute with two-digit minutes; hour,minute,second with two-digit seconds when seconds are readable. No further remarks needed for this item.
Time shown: 2,19
